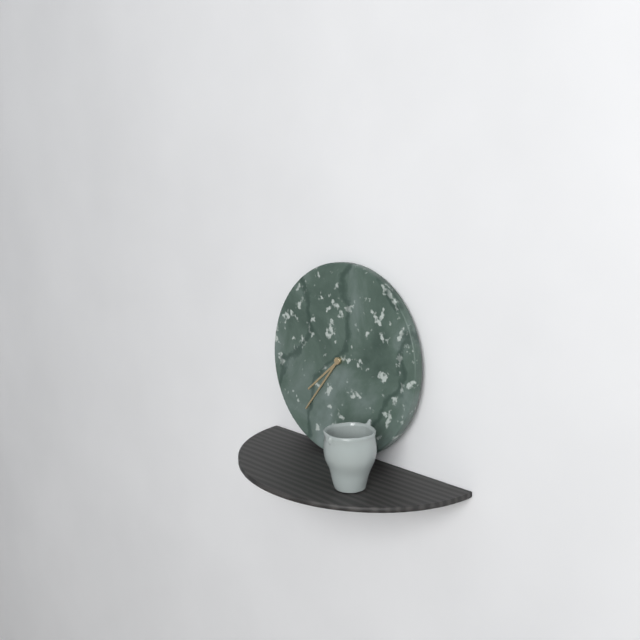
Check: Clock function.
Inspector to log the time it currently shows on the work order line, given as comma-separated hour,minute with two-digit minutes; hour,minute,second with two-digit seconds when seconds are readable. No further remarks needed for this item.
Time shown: 7,36
